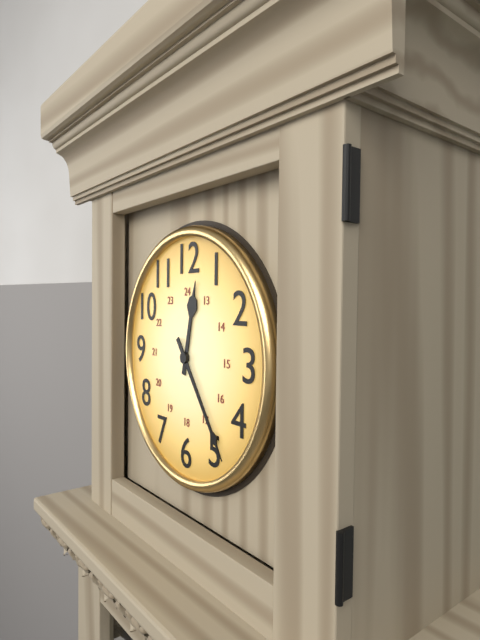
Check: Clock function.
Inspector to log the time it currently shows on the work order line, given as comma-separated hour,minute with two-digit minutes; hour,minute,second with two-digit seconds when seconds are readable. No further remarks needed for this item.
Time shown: 12,24
